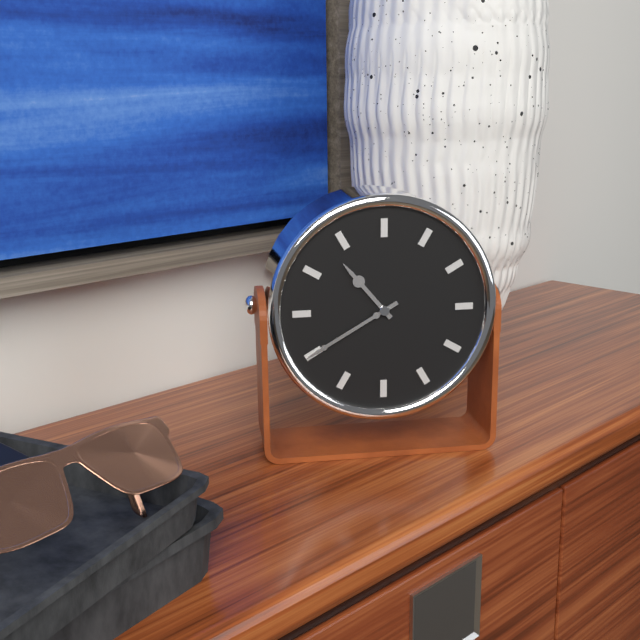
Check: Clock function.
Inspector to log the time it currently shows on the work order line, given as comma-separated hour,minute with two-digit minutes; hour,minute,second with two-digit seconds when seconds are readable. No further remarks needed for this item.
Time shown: 10,40
